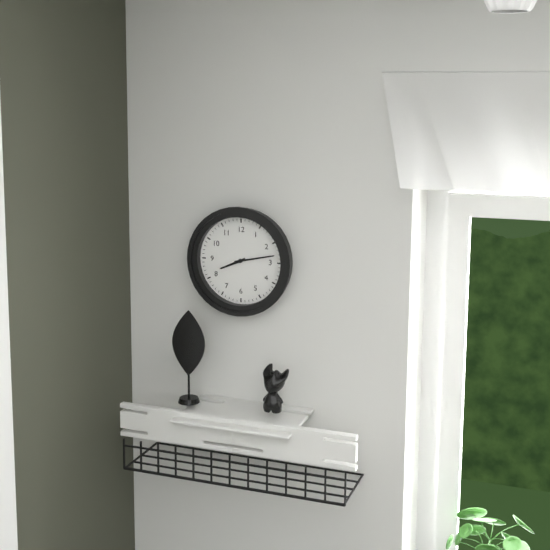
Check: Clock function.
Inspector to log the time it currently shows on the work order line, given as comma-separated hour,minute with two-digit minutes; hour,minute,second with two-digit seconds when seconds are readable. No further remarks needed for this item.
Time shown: 8,13
